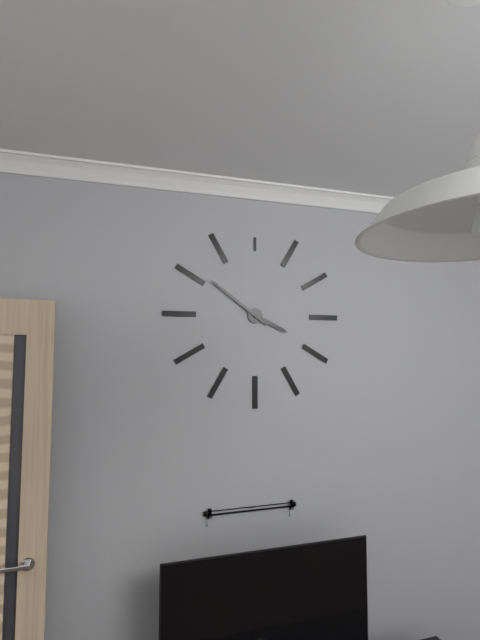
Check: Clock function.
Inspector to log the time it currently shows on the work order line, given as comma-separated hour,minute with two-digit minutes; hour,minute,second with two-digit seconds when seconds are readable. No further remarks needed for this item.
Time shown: 3,51
